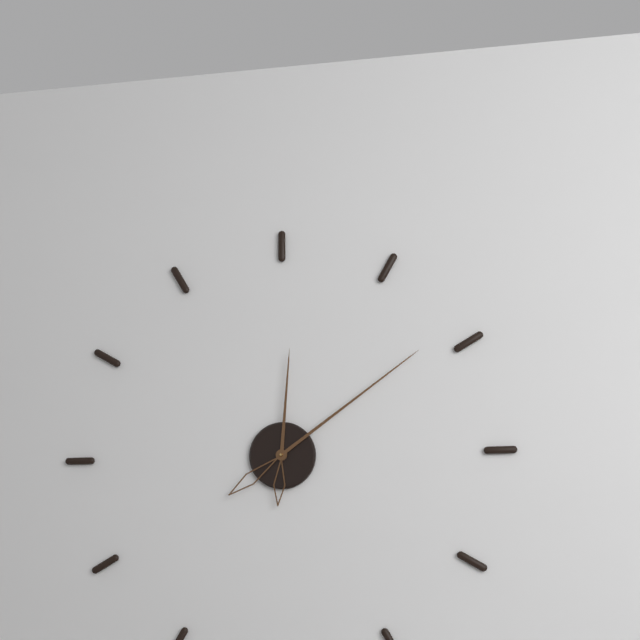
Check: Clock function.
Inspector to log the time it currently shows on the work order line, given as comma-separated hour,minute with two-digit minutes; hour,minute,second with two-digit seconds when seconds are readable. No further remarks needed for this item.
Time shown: 12,09
